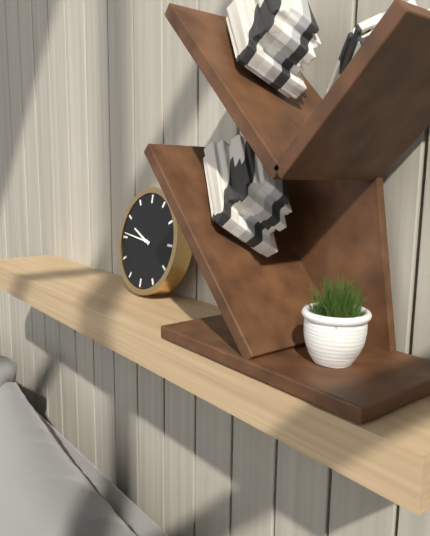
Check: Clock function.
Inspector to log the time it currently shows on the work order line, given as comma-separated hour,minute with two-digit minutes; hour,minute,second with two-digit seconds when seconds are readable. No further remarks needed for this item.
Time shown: 9,46
